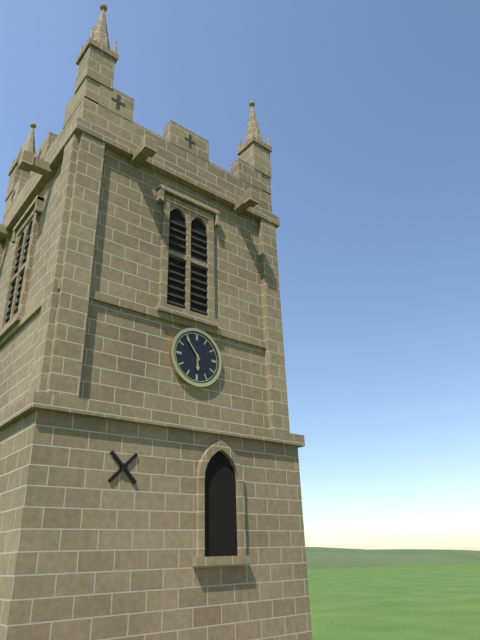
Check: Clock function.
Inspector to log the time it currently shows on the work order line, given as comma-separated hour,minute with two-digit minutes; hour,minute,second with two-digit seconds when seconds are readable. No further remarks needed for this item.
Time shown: 5,54
